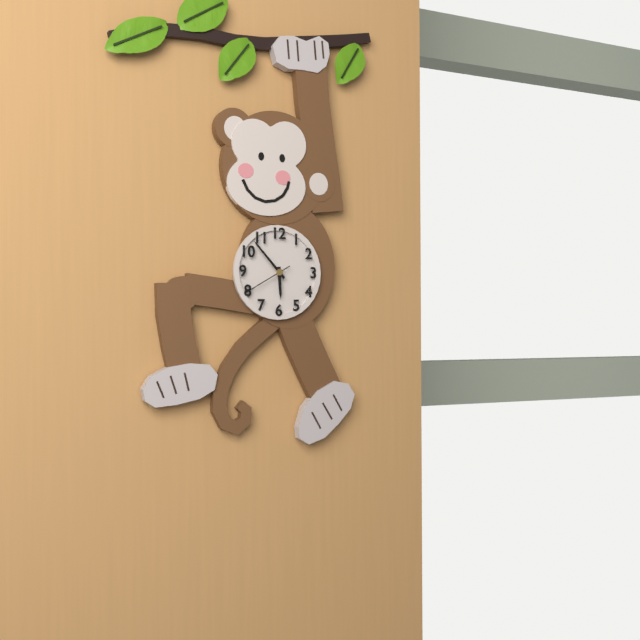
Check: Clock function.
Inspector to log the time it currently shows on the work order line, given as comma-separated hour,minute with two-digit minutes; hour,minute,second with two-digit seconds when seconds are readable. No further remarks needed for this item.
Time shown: 5,53
